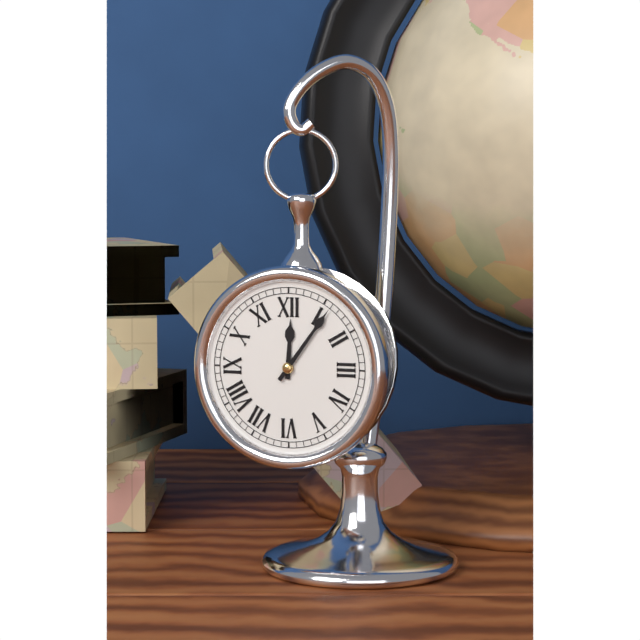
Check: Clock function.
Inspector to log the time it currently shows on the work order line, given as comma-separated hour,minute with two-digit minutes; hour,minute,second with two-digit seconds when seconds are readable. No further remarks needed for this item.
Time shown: 12,06
